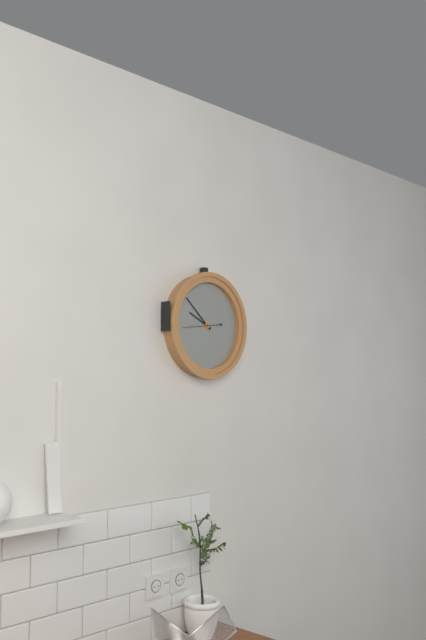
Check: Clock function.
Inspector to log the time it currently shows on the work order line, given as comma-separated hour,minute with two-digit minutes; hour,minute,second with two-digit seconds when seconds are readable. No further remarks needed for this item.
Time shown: 9,52
